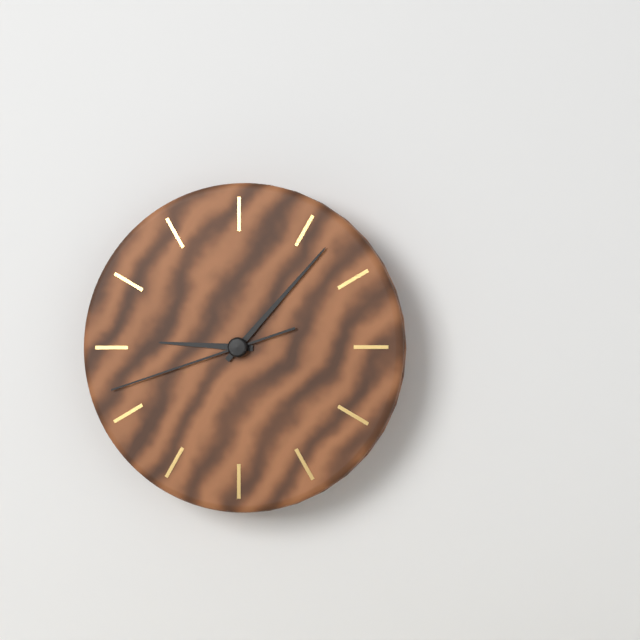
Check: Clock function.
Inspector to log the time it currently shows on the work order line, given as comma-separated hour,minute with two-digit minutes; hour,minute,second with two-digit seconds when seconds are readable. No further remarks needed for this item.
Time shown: 9,07,42
